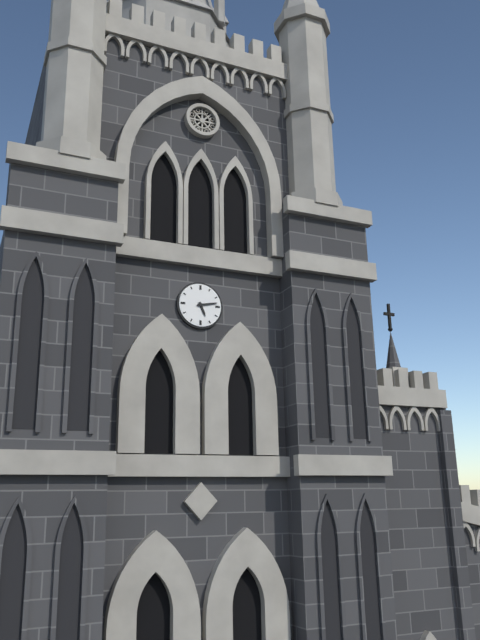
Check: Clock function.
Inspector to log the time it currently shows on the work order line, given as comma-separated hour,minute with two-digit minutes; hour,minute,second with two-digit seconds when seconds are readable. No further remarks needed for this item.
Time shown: 5,13
